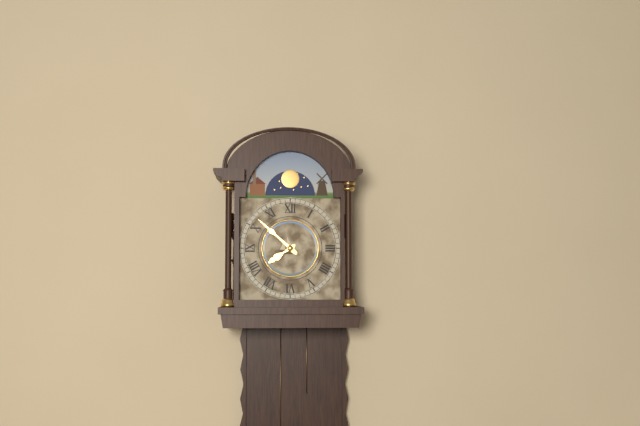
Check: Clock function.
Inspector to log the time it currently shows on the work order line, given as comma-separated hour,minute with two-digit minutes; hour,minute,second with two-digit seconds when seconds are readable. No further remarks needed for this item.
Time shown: 7,52
